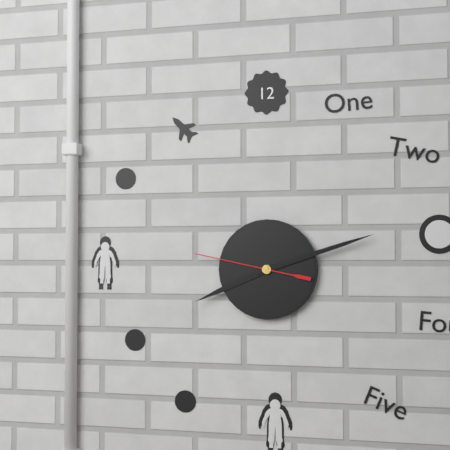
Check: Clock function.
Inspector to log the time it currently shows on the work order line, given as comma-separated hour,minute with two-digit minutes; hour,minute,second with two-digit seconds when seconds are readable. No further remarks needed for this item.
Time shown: 8,12,47
